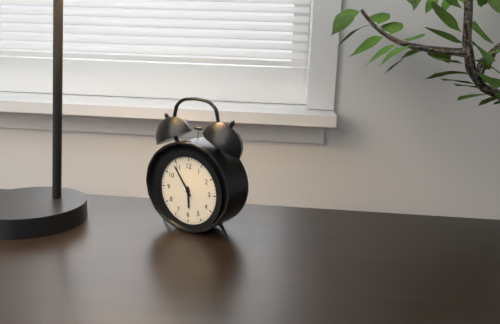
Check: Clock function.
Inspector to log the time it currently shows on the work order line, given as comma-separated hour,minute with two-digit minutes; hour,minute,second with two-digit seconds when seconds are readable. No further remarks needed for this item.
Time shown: 5,54
